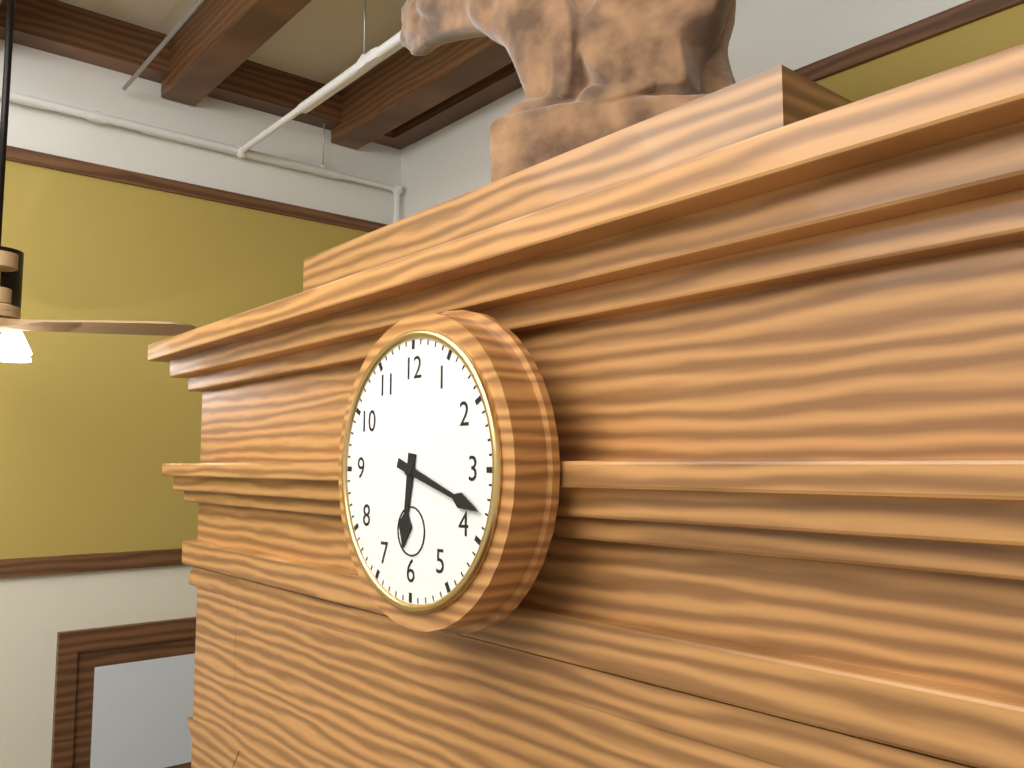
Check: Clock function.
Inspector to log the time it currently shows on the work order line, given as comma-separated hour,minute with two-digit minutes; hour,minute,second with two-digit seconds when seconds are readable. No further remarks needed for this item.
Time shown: 6,18
